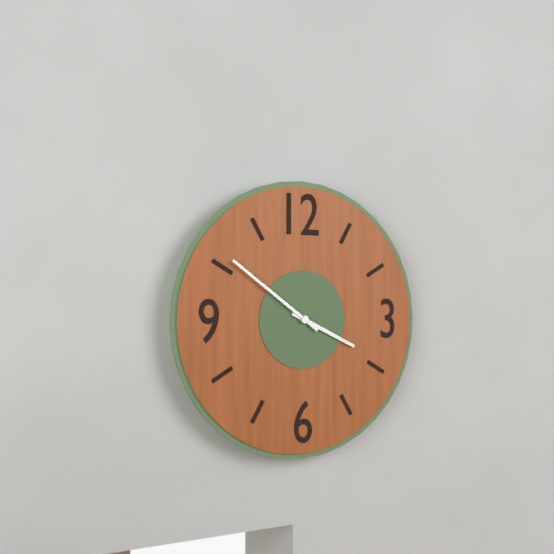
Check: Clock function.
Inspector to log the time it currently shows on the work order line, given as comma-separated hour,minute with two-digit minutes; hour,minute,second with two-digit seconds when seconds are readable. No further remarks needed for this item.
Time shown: 3,51
